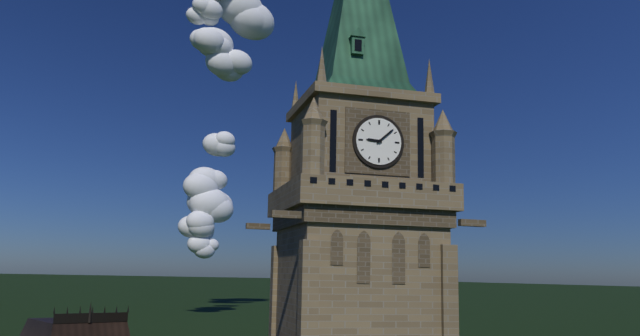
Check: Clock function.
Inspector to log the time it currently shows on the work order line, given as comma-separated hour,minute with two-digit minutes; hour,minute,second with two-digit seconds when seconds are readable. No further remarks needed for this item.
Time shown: 9,08
